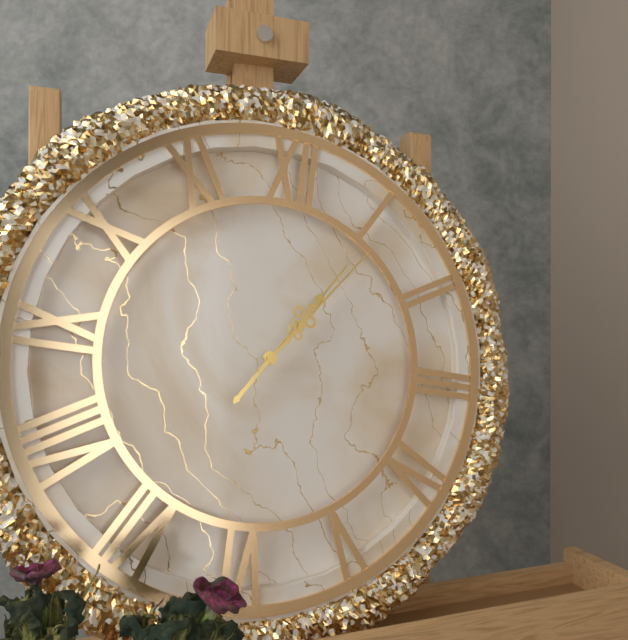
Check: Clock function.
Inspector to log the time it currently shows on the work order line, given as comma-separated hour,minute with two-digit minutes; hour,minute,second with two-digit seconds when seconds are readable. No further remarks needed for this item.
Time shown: 1,06
